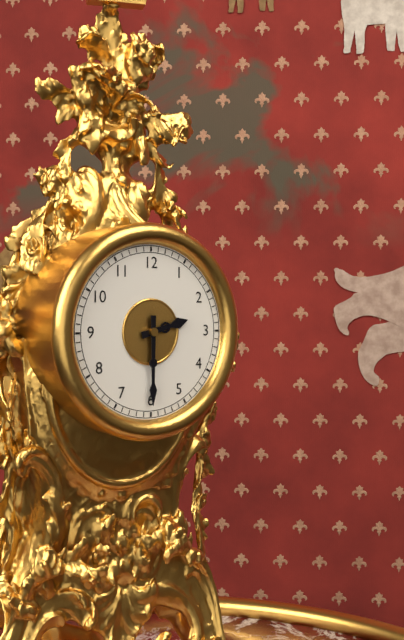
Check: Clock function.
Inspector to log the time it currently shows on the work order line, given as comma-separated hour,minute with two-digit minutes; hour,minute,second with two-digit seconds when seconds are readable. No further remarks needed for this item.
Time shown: 2,30
